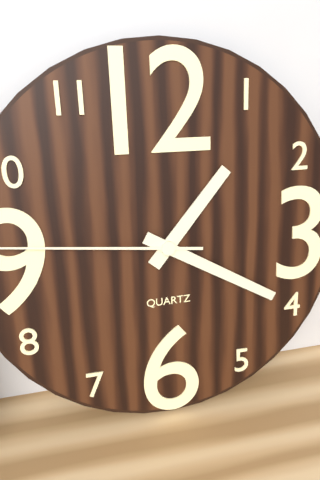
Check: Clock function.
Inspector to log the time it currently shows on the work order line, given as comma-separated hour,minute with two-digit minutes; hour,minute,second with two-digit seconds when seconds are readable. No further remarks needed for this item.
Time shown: 1,20
